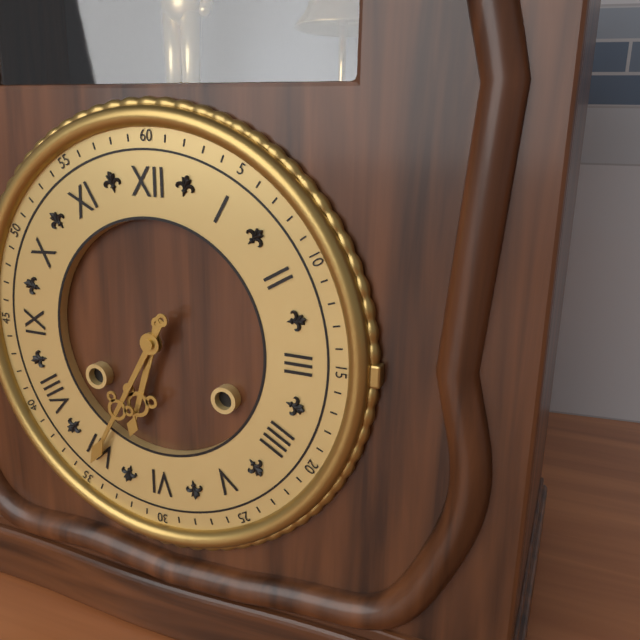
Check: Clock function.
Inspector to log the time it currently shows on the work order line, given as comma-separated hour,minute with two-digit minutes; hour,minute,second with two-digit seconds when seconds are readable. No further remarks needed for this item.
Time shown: 6,35
